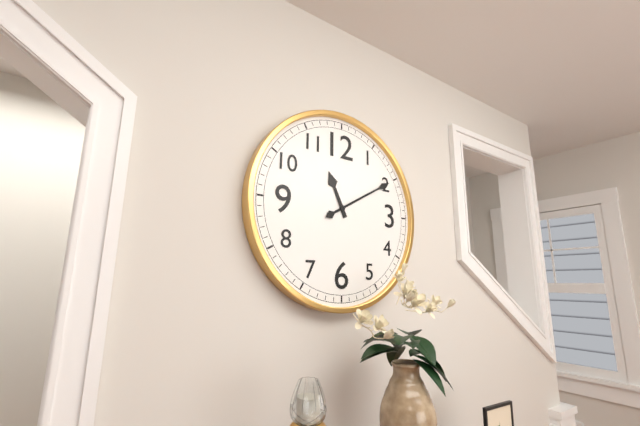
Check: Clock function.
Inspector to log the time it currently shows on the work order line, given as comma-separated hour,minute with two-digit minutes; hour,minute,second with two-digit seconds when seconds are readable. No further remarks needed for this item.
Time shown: 11,10
